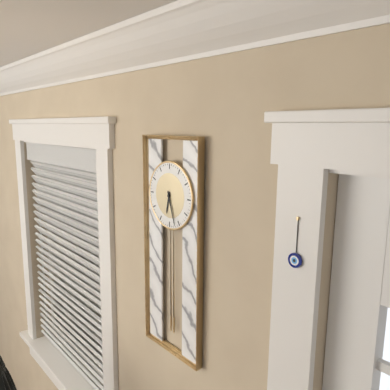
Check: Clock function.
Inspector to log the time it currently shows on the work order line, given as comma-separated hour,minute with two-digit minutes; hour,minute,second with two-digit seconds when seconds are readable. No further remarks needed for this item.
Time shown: 6,27
